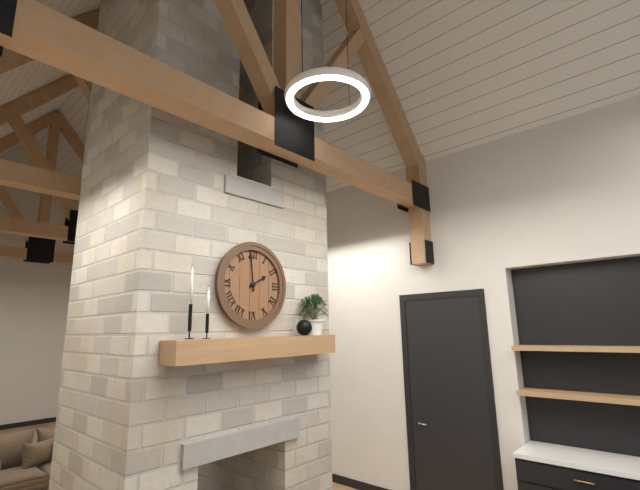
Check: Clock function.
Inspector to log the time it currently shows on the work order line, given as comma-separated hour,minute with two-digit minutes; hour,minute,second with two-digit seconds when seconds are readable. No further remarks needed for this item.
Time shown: 1,59
